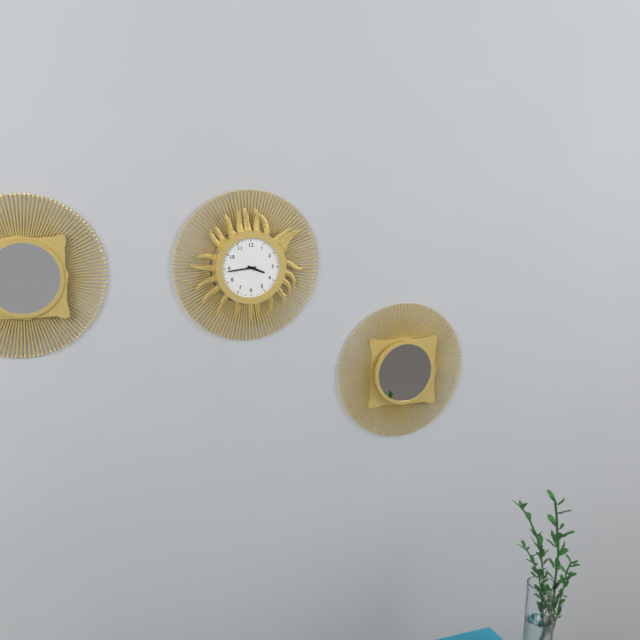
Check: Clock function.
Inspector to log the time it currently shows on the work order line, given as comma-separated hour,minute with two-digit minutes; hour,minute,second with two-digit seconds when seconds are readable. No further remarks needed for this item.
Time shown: 3,44
